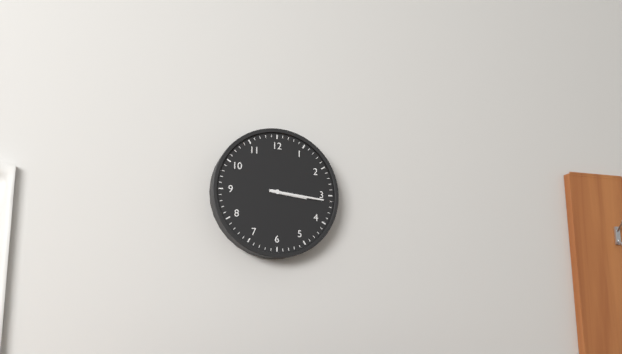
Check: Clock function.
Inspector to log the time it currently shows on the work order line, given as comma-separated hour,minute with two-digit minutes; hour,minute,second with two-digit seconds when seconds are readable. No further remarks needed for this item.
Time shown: 3,16
